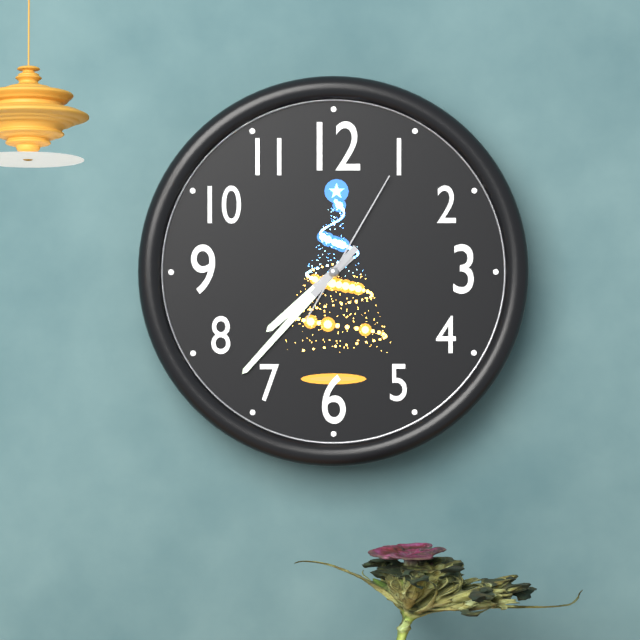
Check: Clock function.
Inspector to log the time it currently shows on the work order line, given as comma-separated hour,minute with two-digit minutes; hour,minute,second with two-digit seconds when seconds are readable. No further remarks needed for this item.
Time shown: 7,37,05
